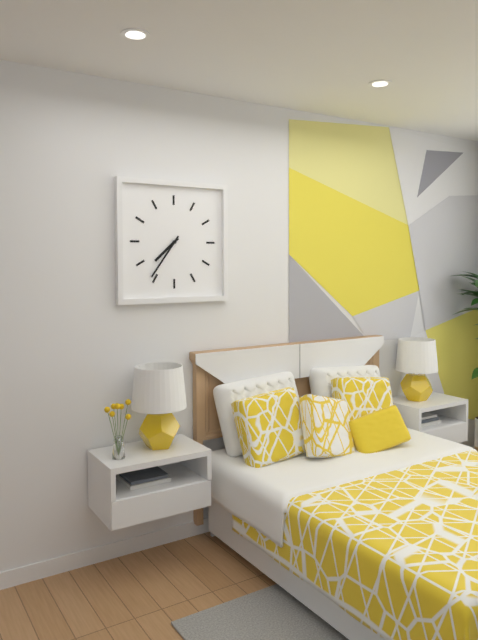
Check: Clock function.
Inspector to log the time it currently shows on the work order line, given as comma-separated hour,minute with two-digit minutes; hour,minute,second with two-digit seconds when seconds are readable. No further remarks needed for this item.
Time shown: 7,36
